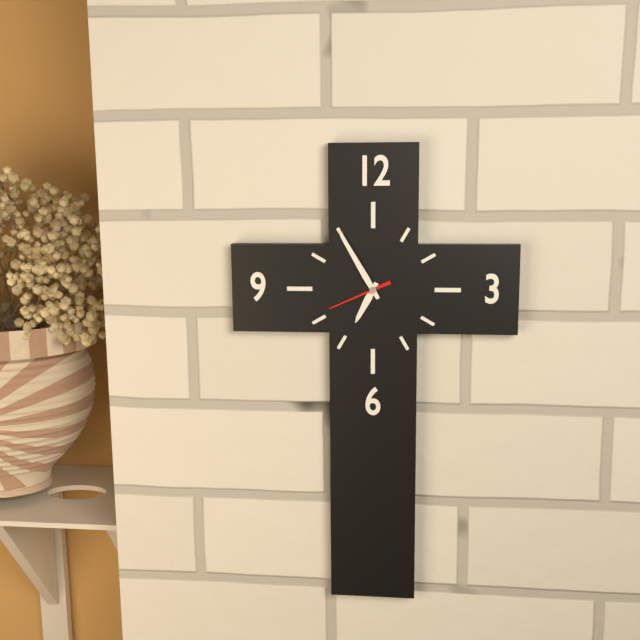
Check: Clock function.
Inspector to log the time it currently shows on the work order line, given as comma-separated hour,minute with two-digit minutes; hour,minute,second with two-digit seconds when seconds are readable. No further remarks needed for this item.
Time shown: 6,55,41
